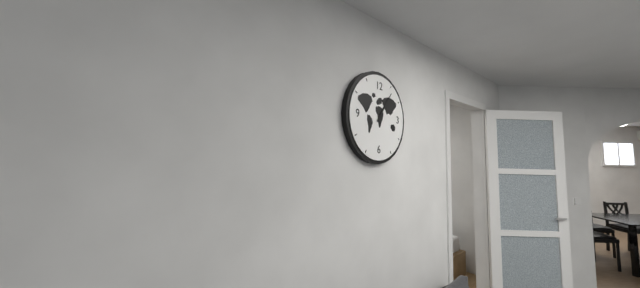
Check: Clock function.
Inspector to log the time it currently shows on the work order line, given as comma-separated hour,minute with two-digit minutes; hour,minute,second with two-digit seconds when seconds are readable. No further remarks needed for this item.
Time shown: 1,06
